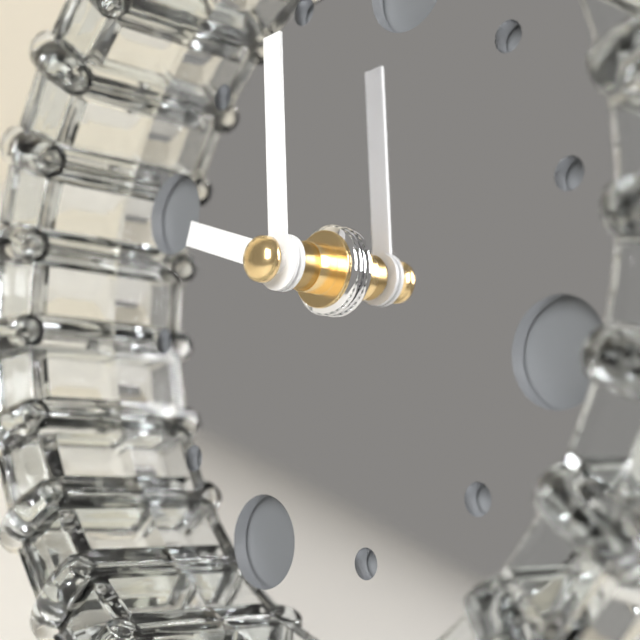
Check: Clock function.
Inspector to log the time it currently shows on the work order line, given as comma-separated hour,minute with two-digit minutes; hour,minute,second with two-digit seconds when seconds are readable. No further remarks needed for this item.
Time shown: 8,56
